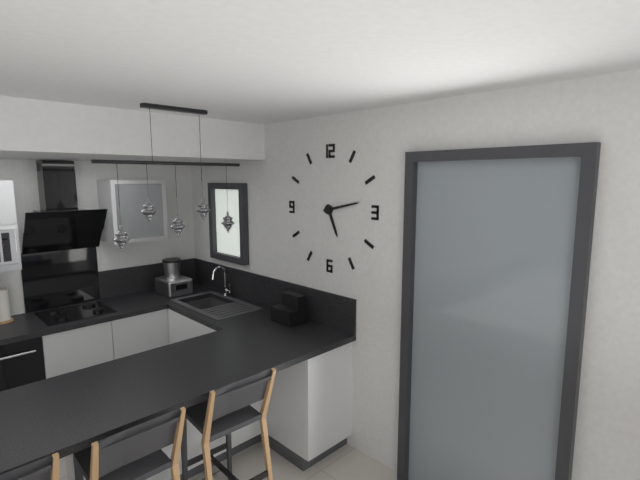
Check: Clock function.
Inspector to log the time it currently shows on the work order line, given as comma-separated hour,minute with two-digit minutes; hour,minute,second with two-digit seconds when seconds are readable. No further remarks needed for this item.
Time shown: 5,13
